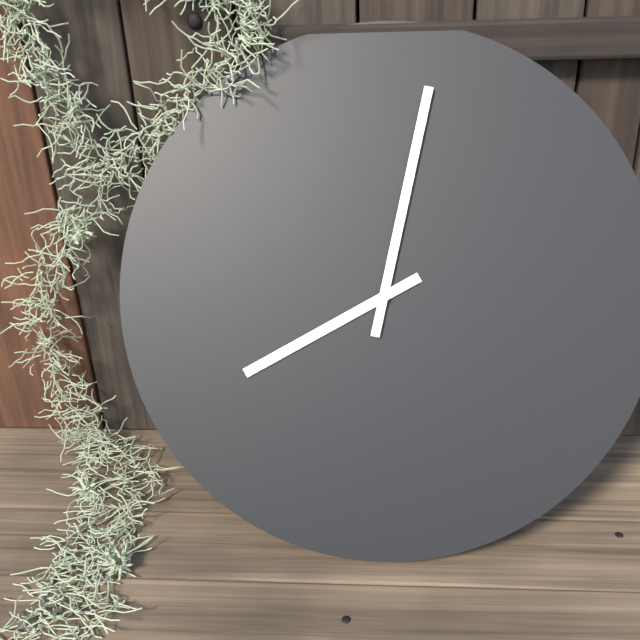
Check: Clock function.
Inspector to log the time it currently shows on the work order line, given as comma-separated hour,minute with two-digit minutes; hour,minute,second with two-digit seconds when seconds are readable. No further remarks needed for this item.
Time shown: 8,02
